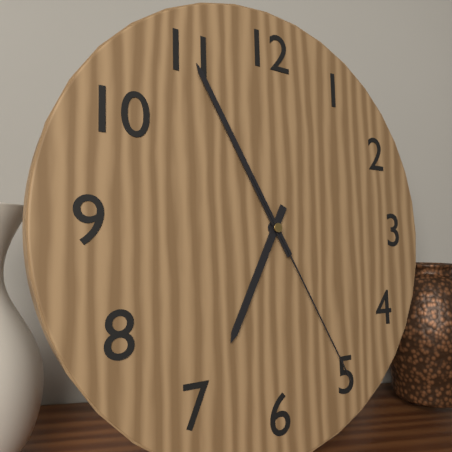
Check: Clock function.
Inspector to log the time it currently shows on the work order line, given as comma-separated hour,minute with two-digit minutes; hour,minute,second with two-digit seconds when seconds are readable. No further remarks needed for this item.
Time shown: 6,55,25
